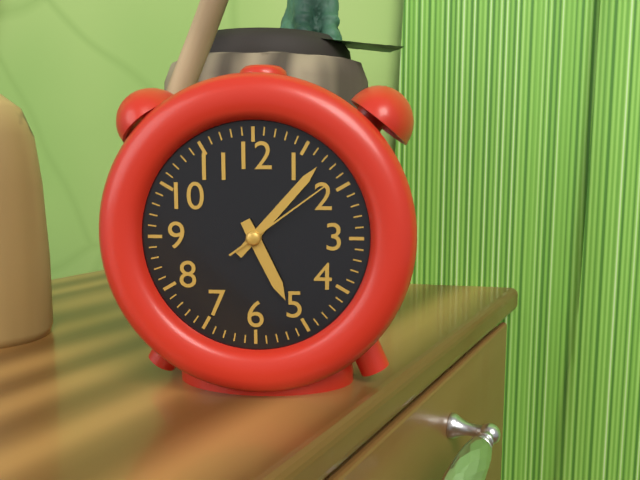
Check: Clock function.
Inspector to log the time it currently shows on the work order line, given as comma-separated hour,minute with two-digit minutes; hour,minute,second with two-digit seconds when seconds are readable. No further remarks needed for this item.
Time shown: 5,07,09
